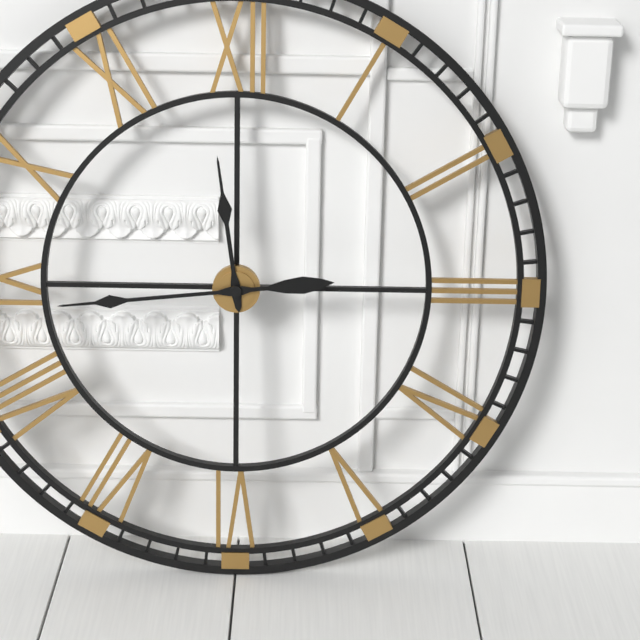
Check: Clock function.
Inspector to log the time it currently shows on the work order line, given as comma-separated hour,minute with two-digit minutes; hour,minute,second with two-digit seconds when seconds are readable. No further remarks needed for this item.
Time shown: 11,44
